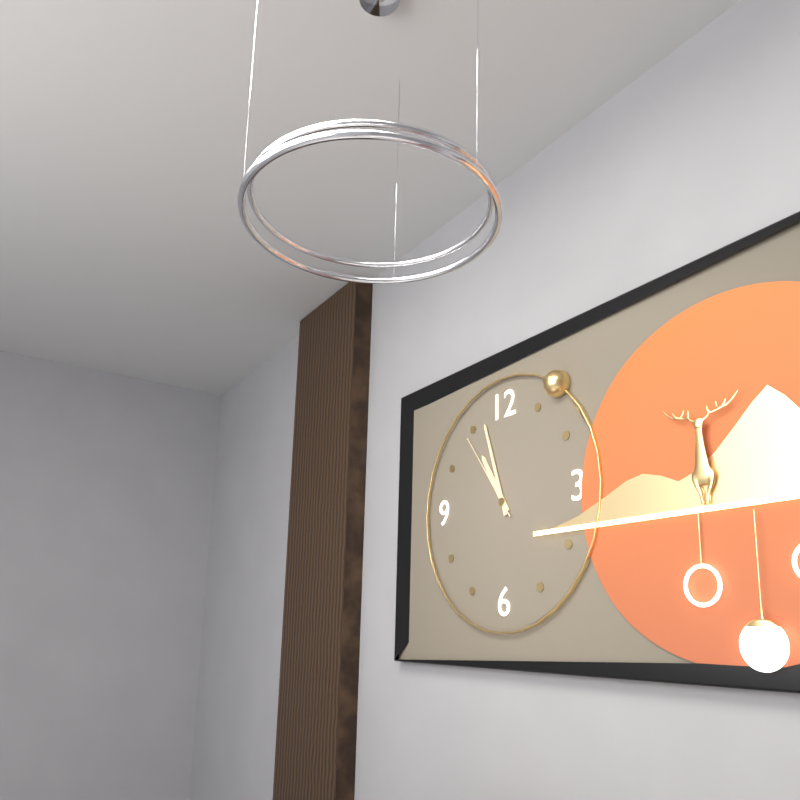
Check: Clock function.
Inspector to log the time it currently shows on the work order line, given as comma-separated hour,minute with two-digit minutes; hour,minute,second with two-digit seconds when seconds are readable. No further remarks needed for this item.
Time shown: 10,57,54
